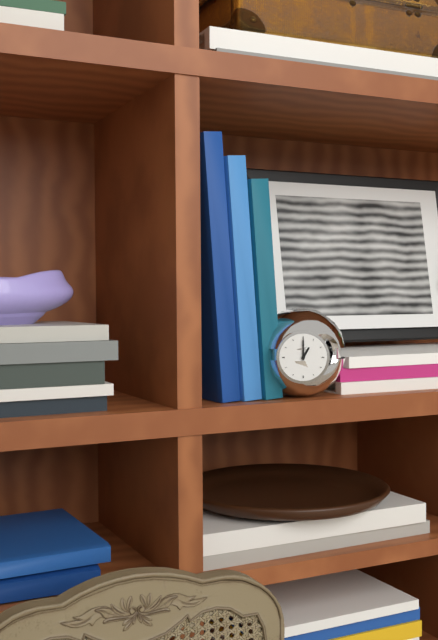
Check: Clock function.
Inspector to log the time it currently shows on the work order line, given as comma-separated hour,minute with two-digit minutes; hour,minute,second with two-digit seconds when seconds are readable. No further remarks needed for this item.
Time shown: 1,00
